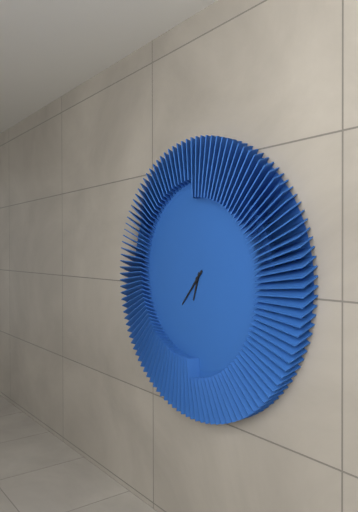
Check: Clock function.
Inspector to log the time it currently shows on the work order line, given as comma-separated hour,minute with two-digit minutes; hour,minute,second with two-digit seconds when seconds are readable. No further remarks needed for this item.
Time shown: 6,37
